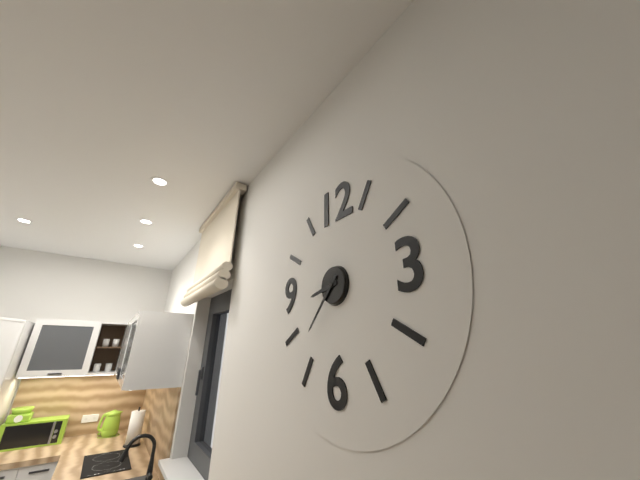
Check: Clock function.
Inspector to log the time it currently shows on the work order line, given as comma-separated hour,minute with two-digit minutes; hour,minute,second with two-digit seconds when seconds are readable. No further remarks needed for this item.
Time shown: 8,37
